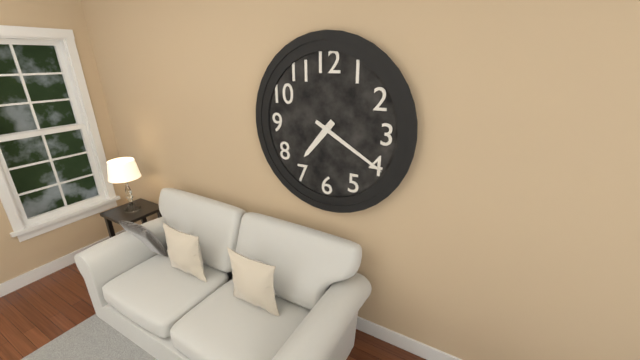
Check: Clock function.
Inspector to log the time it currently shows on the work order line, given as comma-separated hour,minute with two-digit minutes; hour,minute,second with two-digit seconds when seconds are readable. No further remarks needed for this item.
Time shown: 7,20
